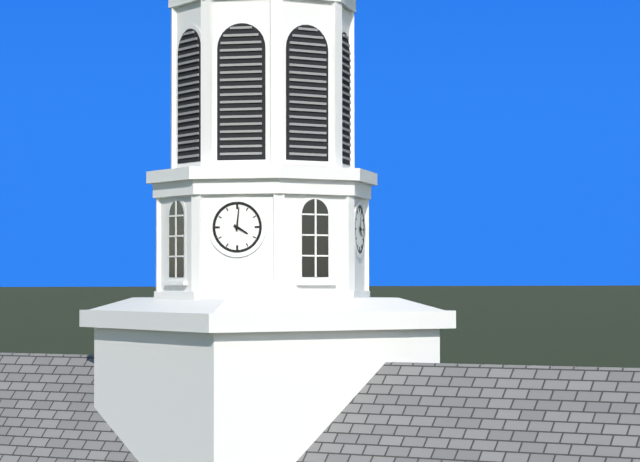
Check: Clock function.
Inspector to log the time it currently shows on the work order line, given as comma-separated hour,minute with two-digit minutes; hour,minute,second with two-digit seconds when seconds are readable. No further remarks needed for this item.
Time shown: 4,01
